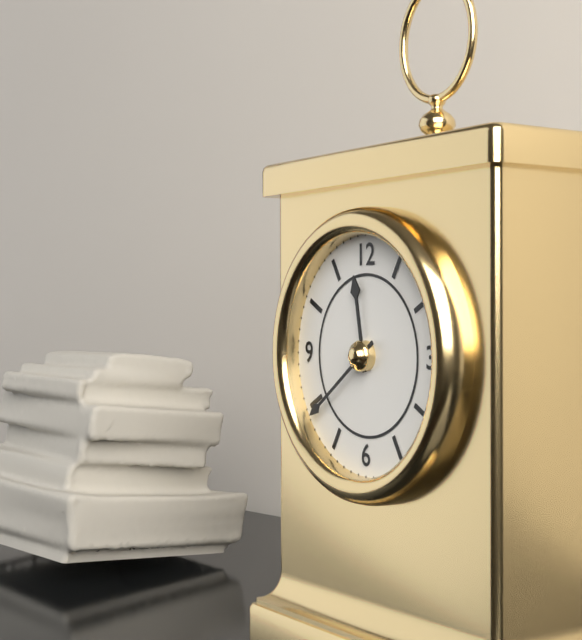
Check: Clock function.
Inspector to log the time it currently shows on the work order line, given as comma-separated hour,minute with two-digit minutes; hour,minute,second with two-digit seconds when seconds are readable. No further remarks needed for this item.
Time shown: 11,39
